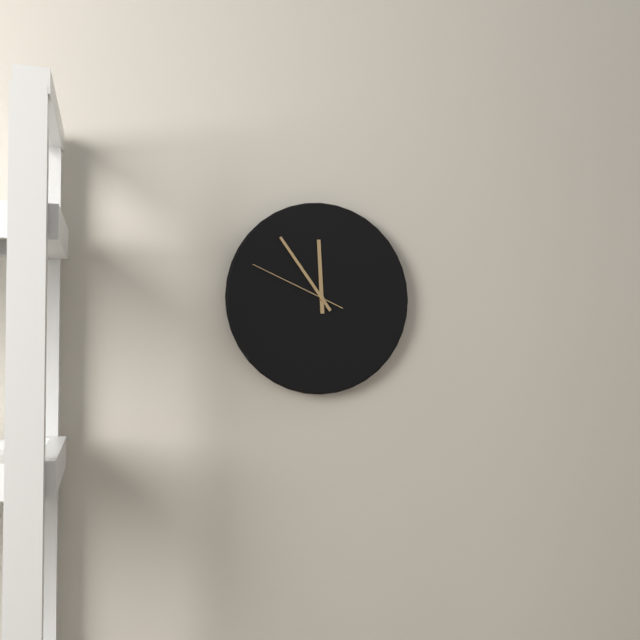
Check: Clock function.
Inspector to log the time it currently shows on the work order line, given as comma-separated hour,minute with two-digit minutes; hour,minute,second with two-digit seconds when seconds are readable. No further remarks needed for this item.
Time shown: 11,54,49
